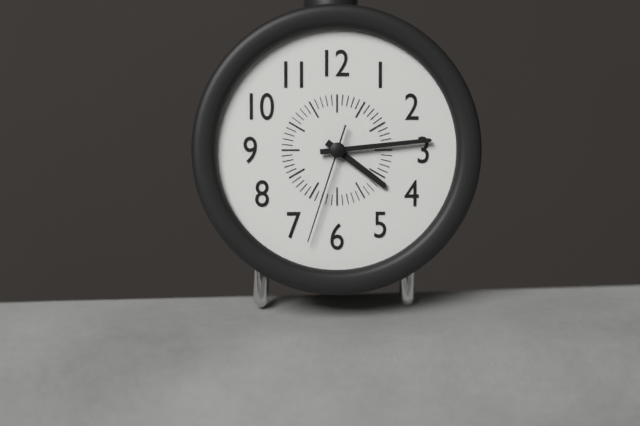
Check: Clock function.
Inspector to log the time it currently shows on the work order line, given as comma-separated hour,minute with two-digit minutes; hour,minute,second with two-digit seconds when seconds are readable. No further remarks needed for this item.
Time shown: 4,14,33
